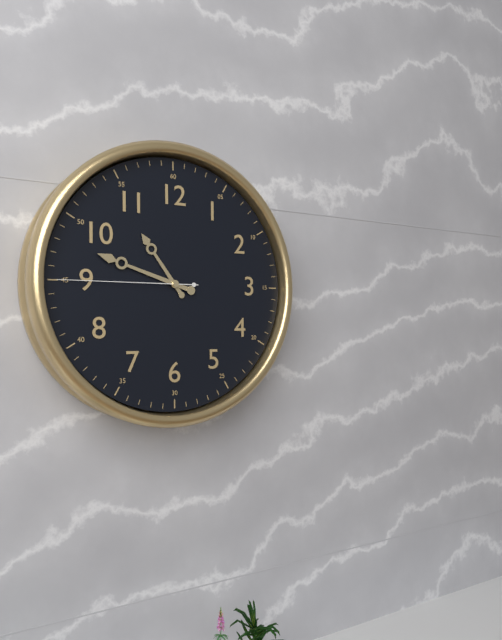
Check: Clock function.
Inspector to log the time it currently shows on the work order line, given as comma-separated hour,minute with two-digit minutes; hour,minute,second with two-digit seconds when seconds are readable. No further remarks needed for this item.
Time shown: 10,48,45
